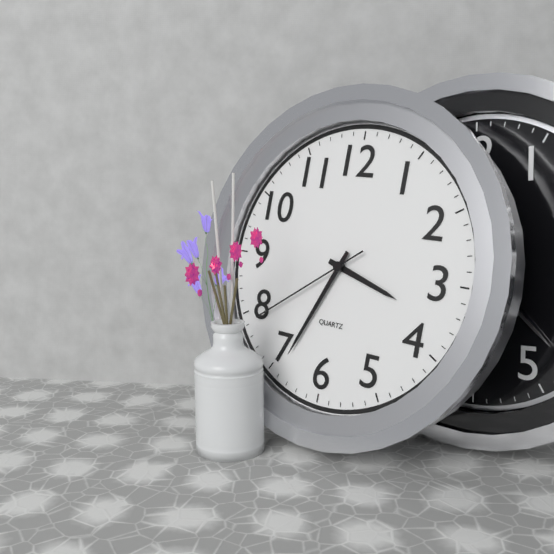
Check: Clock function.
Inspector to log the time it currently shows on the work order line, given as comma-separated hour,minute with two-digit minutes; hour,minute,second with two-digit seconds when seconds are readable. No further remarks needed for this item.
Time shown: 3,34,39
